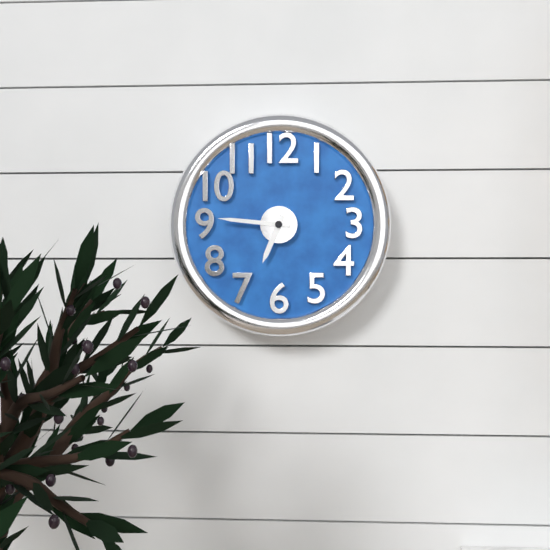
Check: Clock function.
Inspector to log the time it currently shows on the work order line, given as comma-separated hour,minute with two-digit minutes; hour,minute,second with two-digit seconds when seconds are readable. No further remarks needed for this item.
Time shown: 6,46
